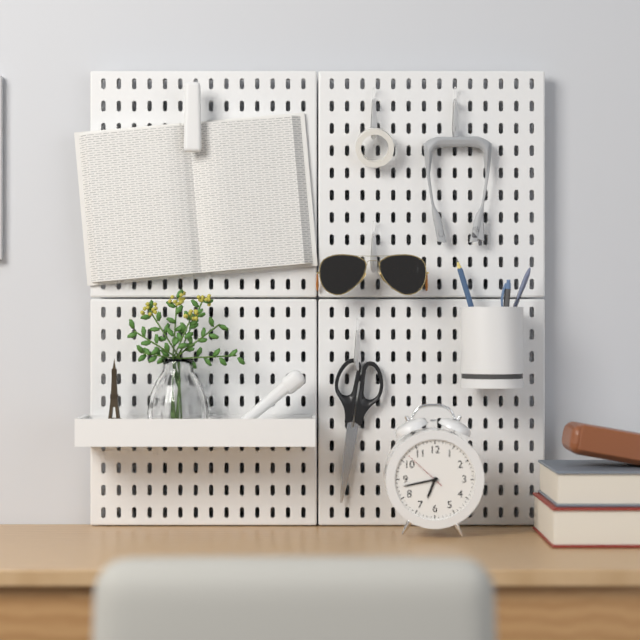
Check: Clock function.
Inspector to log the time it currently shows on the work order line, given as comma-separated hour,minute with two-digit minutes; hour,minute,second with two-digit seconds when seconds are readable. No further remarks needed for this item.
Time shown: 6,43
